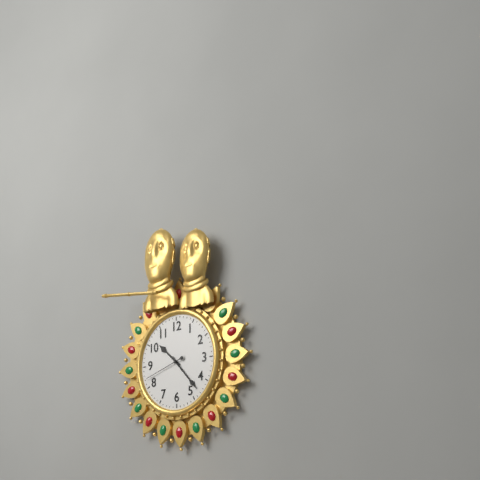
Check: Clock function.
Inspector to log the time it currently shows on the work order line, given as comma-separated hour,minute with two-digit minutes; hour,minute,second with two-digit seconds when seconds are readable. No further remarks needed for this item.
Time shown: 10,23
